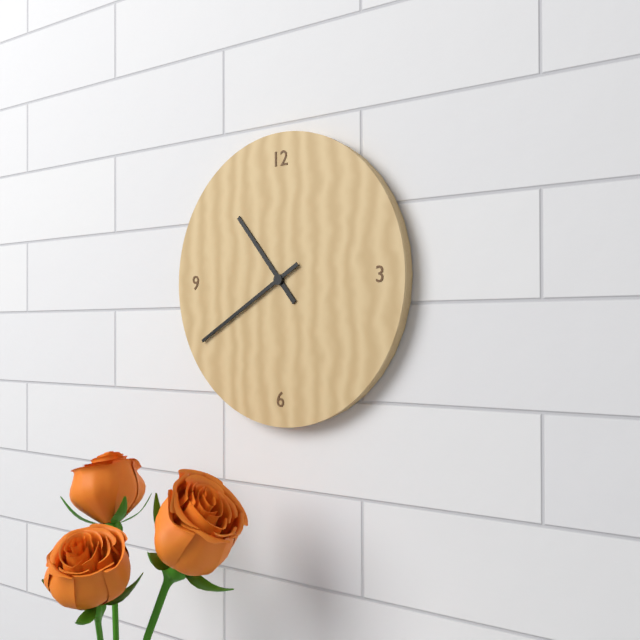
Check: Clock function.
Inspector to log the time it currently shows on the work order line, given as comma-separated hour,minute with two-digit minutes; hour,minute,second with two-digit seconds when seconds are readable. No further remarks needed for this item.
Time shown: 10,40
